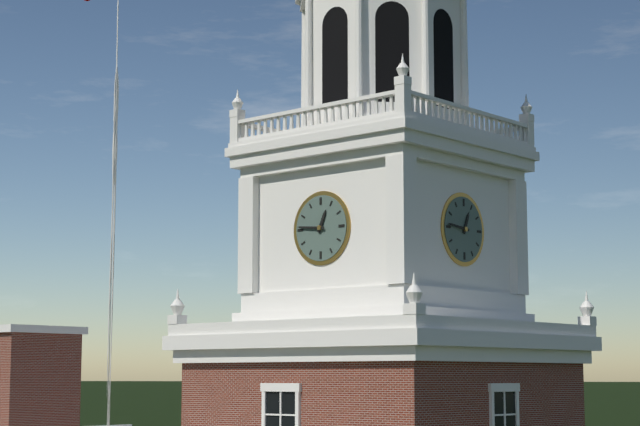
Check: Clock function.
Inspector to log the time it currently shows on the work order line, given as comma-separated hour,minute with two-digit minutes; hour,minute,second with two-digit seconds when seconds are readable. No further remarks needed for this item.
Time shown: 12,46
